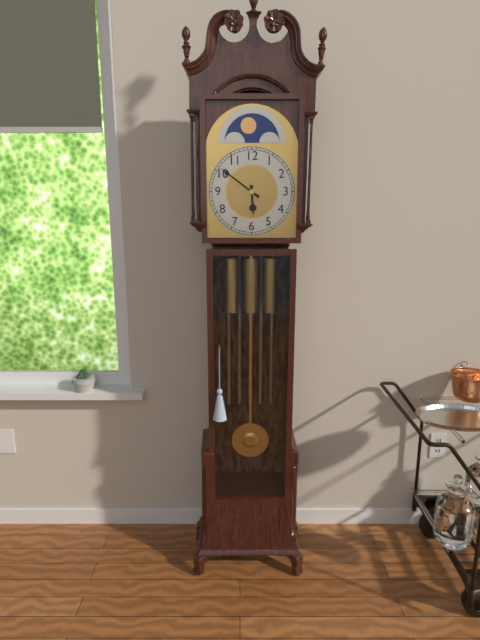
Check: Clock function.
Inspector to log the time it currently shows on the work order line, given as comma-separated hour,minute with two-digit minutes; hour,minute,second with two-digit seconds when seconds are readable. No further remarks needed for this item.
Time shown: 5,51
